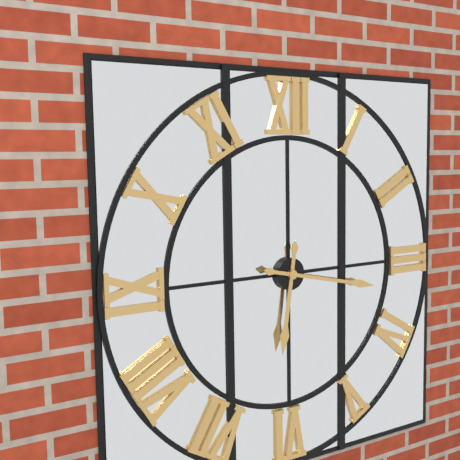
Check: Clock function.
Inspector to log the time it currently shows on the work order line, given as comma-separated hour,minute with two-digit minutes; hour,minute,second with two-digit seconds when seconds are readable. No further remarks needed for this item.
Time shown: 6,17
